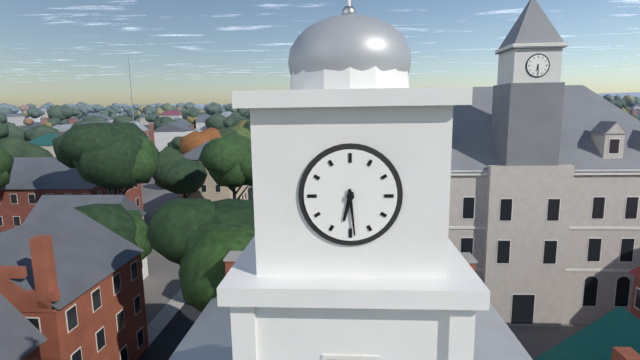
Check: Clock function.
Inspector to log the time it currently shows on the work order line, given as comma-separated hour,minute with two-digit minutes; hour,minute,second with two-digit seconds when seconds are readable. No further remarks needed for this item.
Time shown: 6,29
